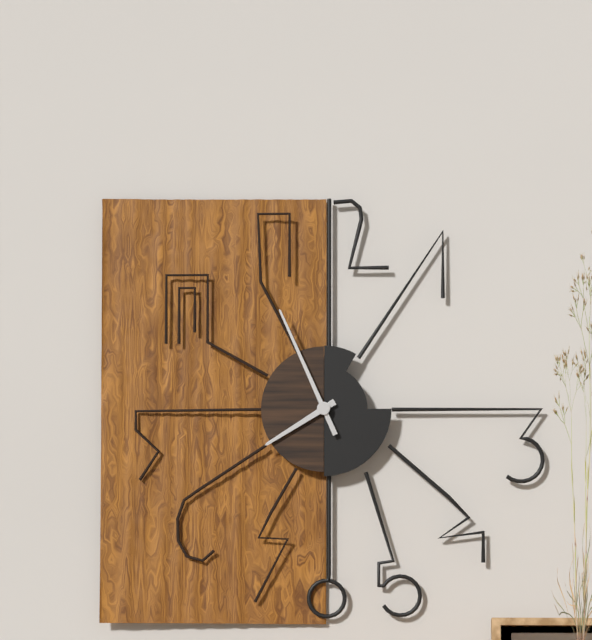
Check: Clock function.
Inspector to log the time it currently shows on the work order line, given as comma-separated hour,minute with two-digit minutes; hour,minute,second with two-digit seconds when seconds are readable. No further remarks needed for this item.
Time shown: 7,56
